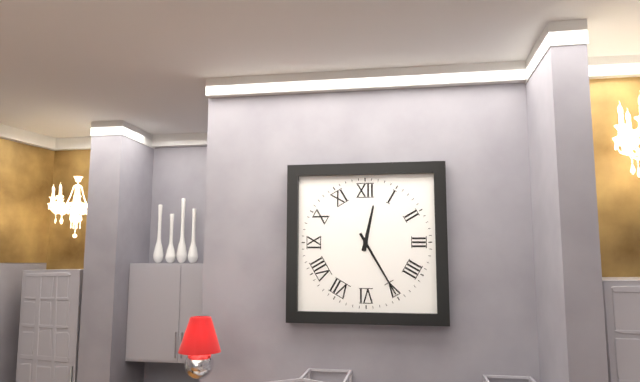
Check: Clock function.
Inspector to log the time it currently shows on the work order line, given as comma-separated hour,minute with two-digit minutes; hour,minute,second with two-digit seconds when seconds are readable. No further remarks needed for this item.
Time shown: 12,25
